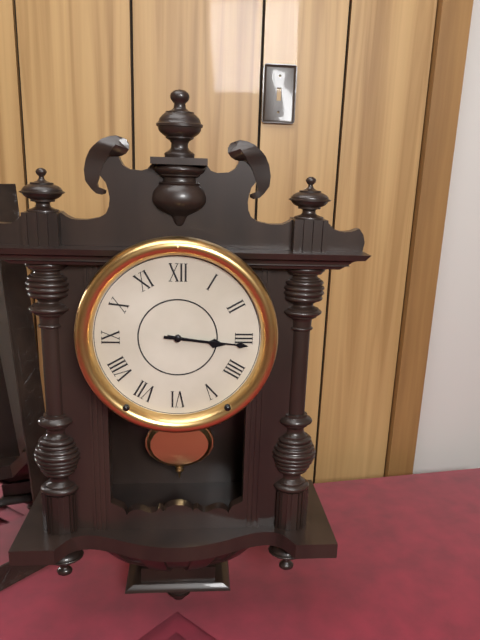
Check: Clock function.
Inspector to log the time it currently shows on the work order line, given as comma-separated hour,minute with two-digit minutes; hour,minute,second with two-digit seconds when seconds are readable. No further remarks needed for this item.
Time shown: 3,16
